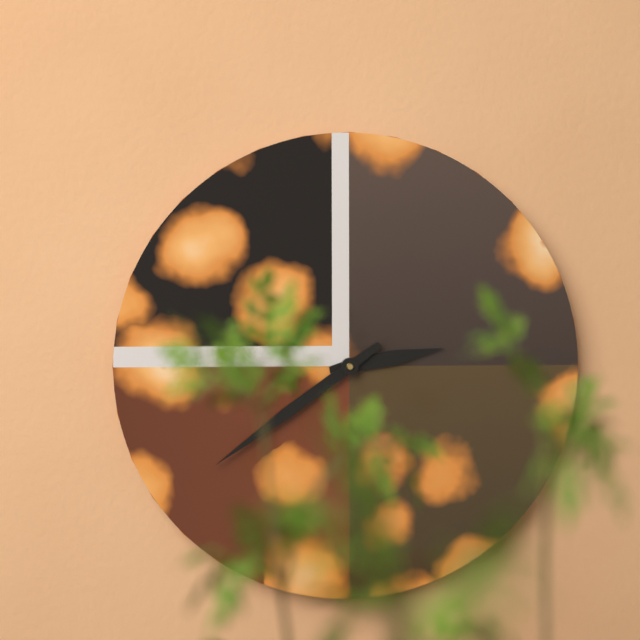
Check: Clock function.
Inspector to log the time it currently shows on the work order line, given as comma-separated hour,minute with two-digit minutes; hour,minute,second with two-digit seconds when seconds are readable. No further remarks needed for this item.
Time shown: 2,39
